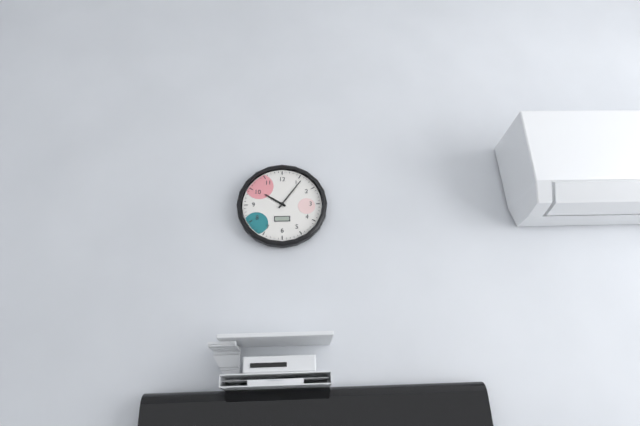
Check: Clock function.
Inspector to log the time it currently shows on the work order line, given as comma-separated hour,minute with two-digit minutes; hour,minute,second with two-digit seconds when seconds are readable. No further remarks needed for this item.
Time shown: 10,06
